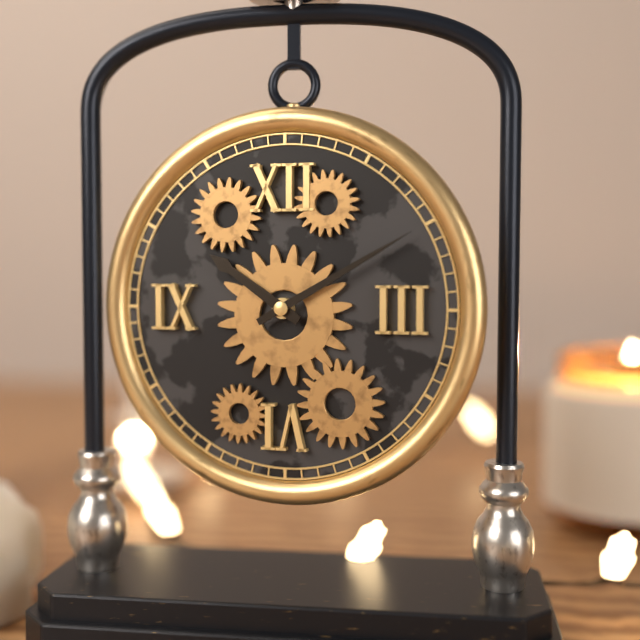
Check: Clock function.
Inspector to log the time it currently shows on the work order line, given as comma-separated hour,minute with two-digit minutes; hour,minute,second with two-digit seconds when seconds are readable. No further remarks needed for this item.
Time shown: 10,10
